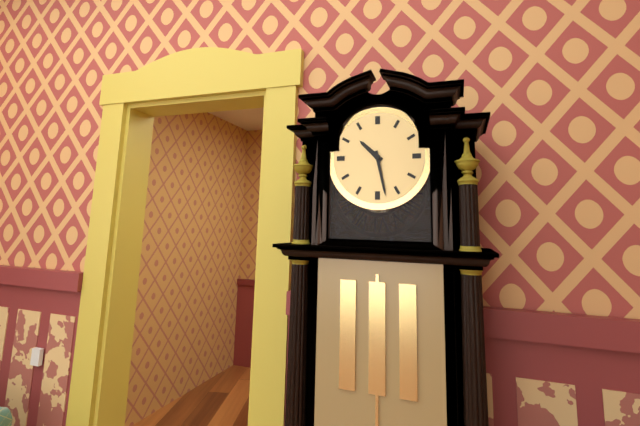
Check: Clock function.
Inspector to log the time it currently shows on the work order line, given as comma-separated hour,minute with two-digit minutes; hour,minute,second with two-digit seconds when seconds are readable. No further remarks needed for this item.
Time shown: 10,28
